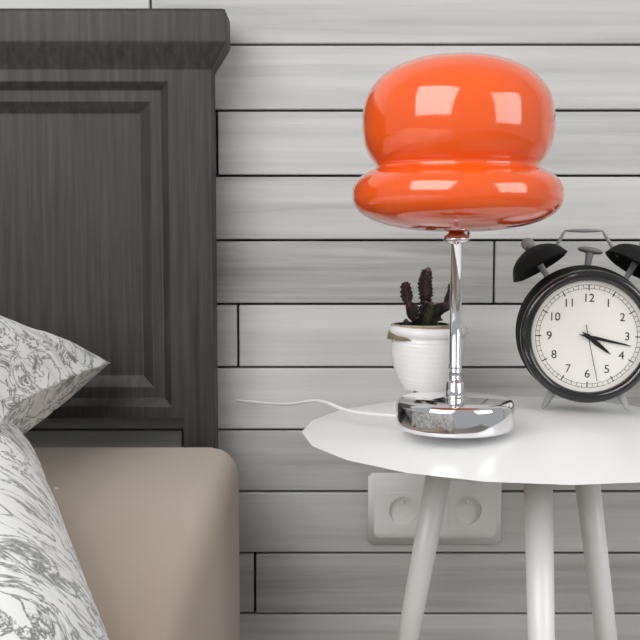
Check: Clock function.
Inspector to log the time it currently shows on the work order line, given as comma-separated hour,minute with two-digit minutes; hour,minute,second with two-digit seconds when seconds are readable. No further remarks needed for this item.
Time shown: 4,17,28
